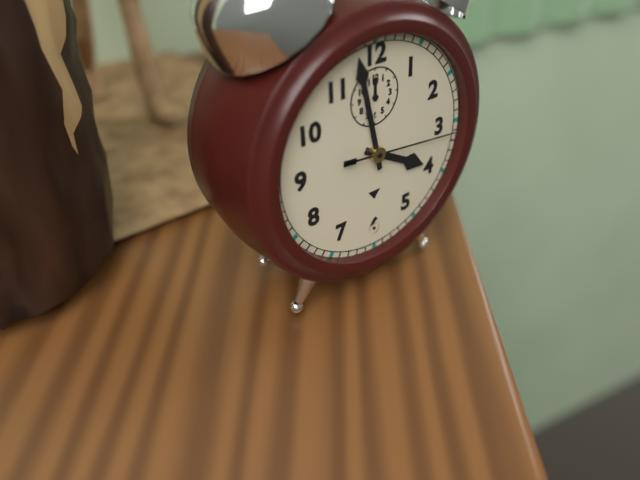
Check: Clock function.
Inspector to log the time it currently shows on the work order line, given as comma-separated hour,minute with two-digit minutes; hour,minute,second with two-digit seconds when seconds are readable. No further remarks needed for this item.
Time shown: 3,58,16
